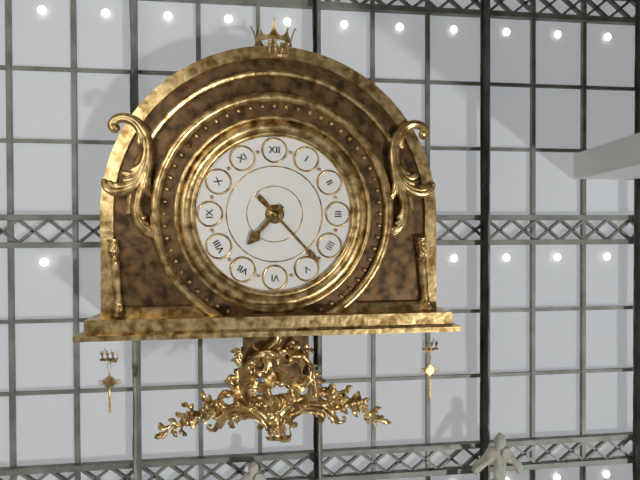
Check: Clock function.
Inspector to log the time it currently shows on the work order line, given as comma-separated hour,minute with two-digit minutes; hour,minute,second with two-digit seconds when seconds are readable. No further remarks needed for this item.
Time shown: 7,23
